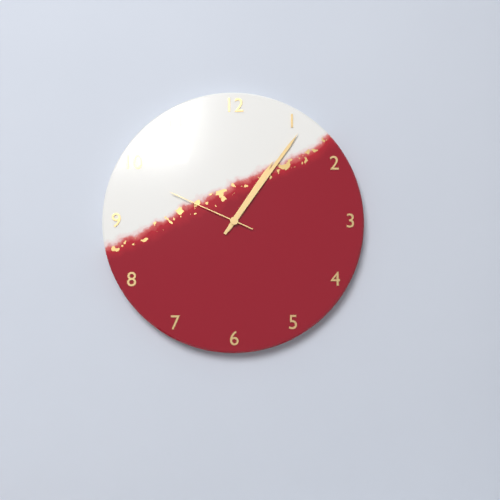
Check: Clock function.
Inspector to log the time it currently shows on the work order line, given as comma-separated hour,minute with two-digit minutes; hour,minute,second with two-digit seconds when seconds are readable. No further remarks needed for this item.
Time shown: 1,06,49
